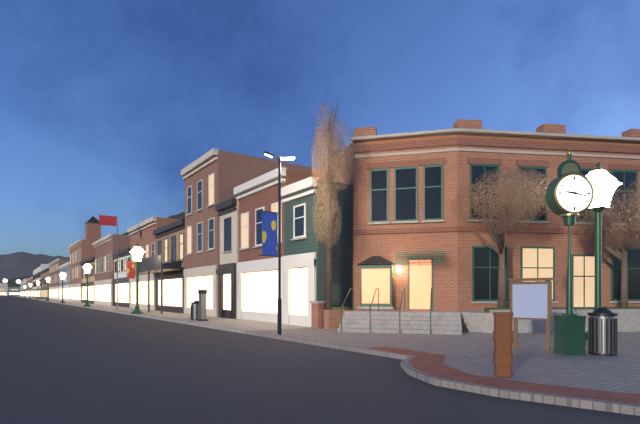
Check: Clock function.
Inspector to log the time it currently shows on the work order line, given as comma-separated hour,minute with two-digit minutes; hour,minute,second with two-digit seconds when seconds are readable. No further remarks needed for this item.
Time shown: 9,17
